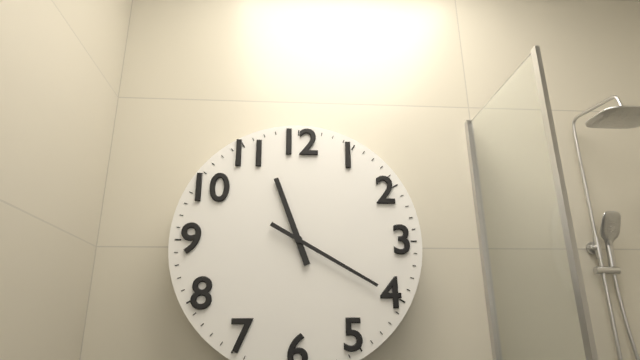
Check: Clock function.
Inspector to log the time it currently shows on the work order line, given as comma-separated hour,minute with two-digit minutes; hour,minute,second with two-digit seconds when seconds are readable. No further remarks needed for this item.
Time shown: 11,20
